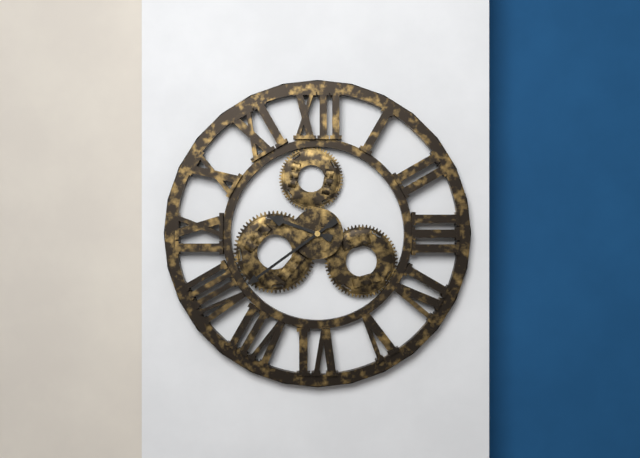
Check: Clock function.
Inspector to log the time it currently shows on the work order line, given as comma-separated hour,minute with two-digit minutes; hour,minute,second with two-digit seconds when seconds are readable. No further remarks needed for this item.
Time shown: 9,39
